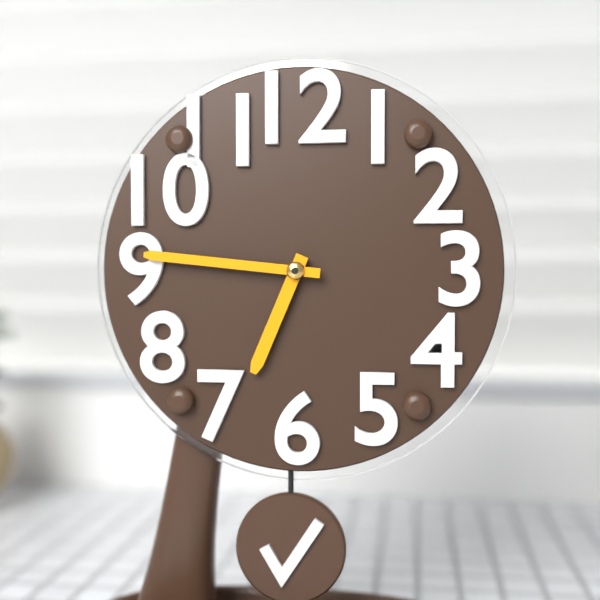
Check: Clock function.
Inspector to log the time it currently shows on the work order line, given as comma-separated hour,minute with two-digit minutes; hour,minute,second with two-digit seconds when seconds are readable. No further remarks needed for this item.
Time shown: 6,46
